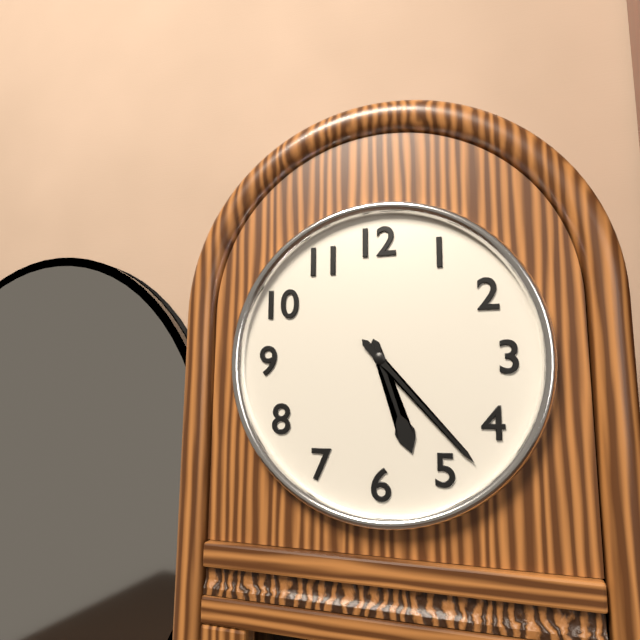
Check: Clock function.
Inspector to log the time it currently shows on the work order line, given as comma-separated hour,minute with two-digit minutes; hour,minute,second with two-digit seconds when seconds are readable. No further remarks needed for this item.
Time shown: 5,23
